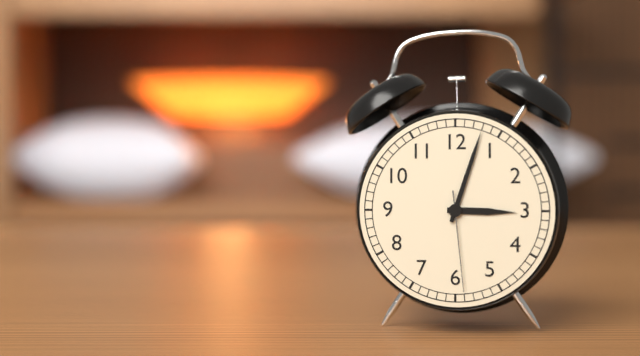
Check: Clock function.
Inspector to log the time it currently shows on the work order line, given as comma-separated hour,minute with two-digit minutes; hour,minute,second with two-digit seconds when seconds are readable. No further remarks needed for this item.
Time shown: 3,03,29
